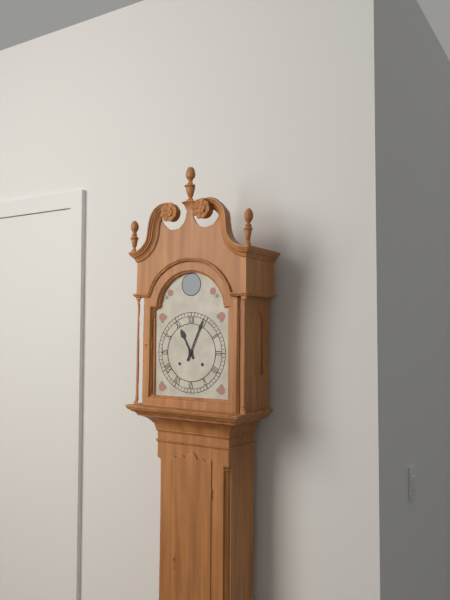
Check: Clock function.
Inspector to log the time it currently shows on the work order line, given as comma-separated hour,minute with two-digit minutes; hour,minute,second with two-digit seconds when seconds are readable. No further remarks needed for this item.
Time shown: 11,04
